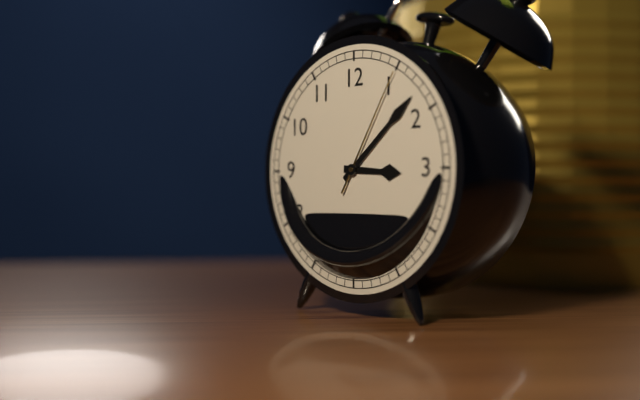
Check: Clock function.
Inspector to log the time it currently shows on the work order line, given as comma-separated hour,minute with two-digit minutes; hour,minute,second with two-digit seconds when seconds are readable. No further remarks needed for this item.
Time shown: 3,08,05
